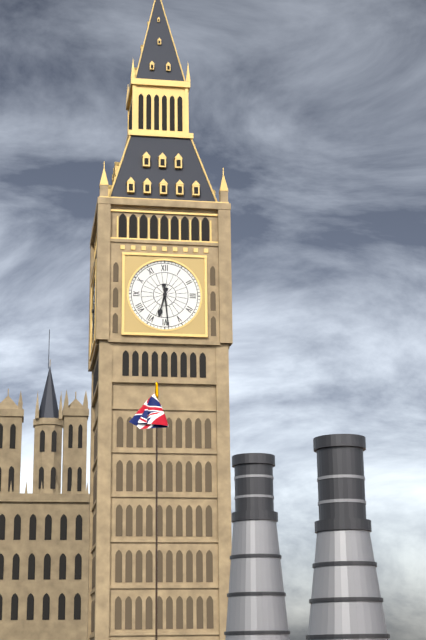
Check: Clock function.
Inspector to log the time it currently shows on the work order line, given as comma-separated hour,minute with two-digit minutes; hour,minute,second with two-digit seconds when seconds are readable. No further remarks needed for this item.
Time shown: 6,29
